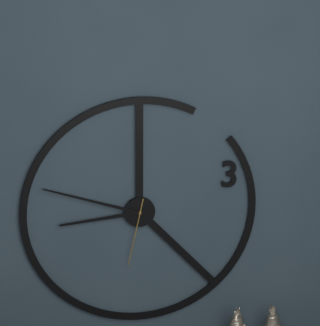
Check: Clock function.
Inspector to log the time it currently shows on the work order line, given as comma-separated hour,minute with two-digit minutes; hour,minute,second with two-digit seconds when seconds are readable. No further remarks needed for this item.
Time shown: 8,48,32
